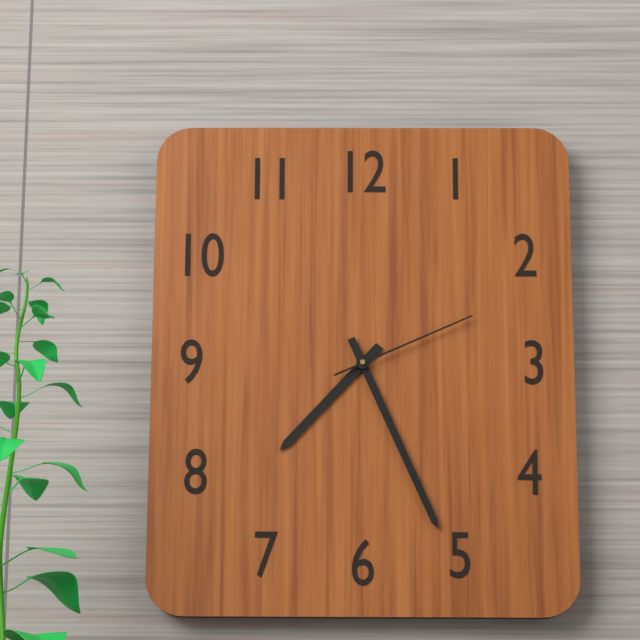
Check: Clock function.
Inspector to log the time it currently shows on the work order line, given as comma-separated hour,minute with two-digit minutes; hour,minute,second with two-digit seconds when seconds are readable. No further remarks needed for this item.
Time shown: 7,26,11
